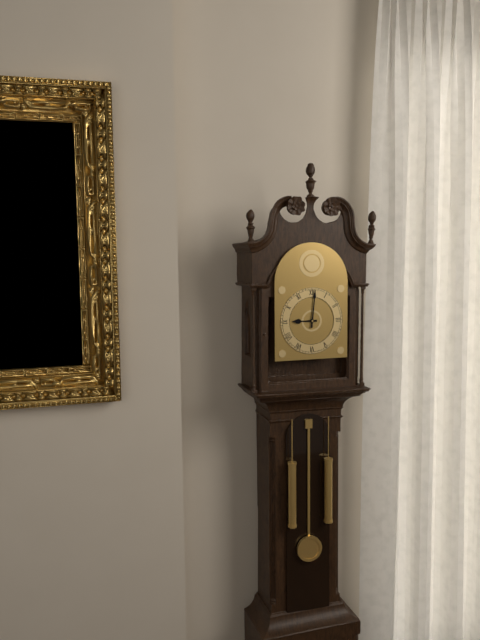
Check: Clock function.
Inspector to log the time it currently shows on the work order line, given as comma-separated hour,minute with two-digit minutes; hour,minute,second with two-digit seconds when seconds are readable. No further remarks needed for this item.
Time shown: 9,01
